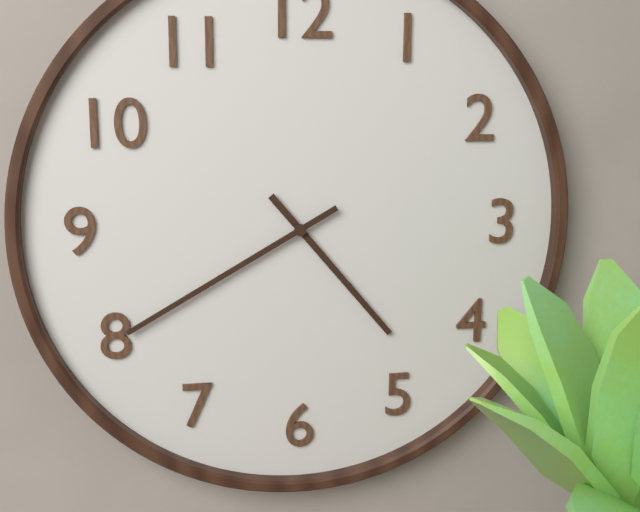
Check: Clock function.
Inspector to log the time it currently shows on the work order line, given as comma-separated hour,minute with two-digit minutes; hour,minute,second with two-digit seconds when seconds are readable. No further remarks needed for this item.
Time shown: 4,40
